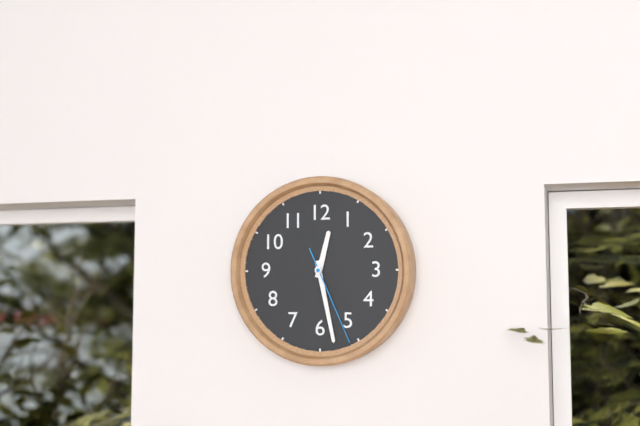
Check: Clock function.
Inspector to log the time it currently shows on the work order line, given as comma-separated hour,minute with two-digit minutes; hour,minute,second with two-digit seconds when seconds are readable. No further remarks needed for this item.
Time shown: 12,28,26
